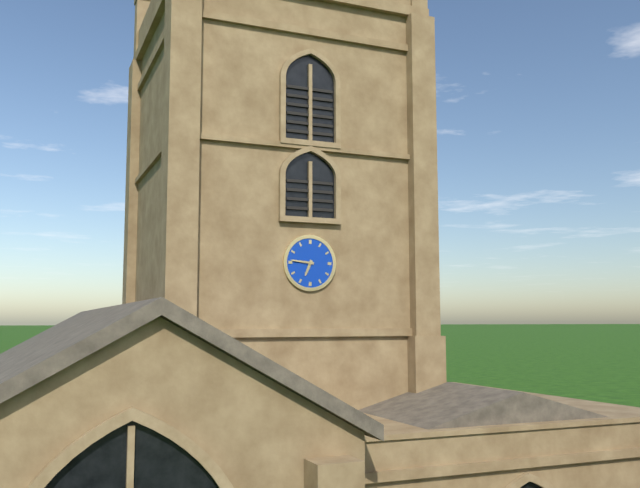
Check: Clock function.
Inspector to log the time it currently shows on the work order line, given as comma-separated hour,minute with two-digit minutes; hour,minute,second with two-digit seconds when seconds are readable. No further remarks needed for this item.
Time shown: 6,46
